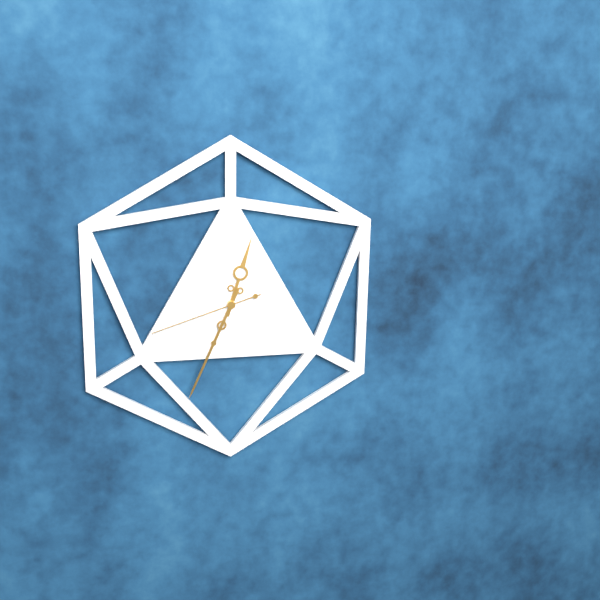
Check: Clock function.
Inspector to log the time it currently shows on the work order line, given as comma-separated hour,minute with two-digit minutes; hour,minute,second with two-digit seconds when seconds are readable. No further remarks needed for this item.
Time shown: 12,34,42
